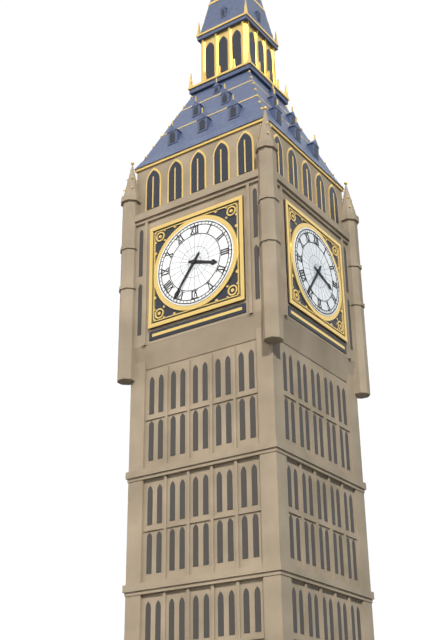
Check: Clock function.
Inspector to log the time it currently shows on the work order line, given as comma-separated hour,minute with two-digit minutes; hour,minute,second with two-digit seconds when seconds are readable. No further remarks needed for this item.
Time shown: 3,36
